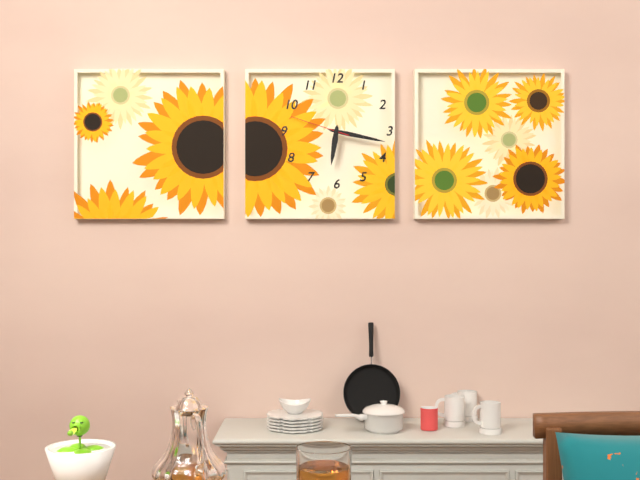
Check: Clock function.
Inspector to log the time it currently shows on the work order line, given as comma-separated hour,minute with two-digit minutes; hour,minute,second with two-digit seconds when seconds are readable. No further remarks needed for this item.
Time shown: 6,17,48
